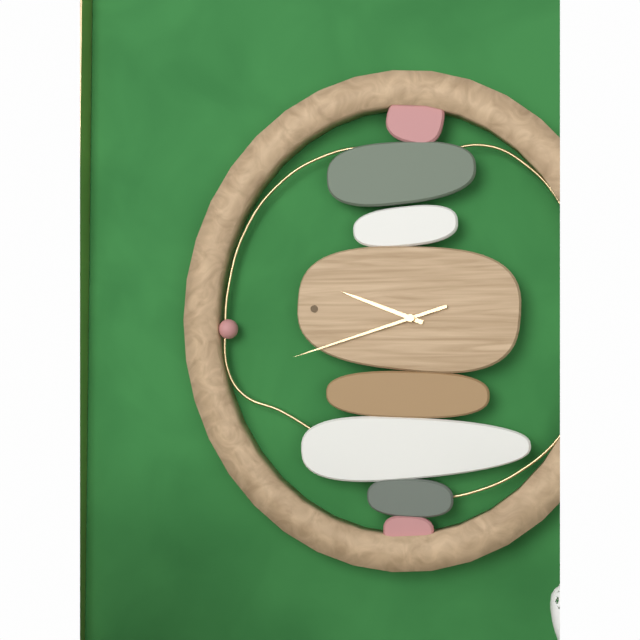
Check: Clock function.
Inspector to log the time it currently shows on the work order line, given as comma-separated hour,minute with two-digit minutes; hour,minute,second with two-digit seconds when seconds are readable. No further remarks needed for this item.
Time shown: 9,42
